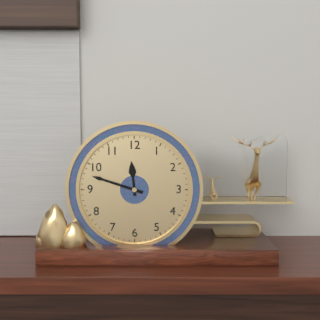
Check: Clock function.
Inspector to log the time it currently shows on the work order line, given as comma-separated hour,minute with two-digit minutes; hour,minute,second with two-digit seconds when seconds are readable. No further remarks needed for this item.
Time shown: 11,48
